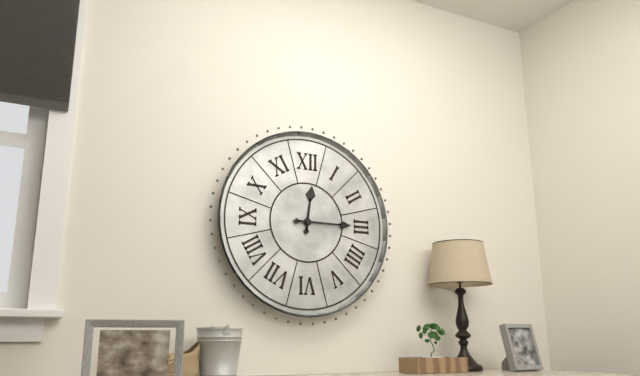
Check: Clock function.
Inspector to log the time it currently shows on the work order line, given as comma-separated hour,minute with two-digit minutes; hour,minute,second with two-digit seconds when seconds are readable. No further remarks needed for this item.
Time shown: 12,15
